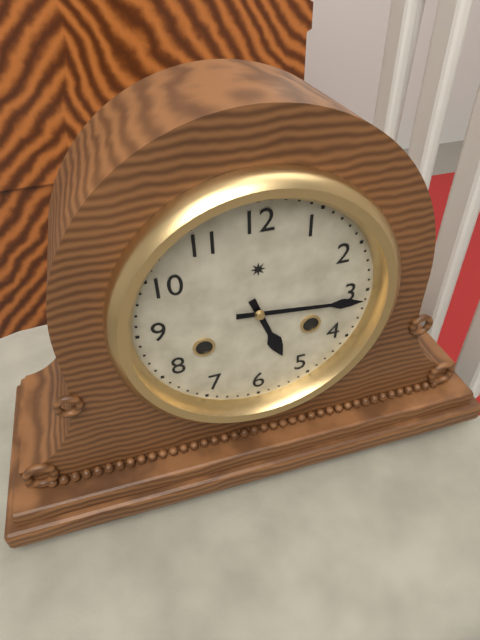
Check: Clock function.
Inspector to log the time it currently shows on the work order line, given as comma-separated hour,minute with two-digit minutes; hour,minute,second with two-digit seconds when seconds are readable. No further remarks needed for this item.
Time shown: 5,16
